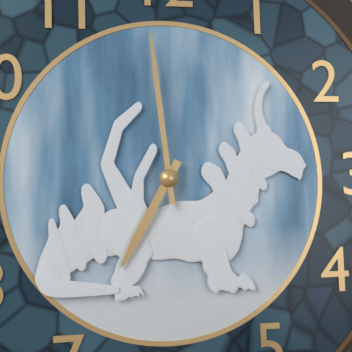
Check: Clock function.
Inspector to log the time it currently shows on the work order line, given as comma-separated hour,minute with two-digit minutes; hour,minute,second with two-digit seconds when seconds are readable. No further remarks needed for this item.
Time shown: 6,59
